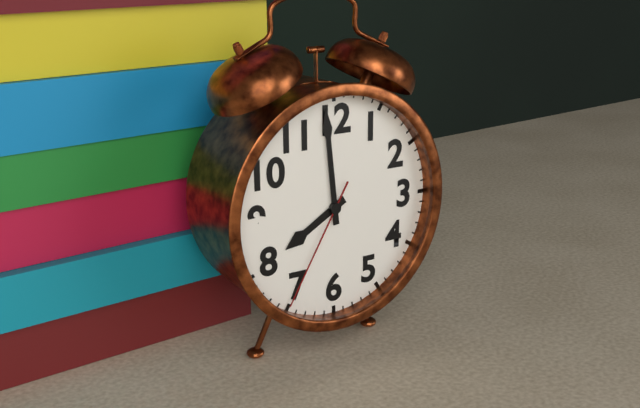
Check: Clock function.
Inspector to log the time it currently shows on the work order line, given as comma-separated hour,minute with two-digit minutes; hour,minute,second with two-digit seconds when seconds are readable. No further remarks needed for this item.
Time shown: 7,59,35
